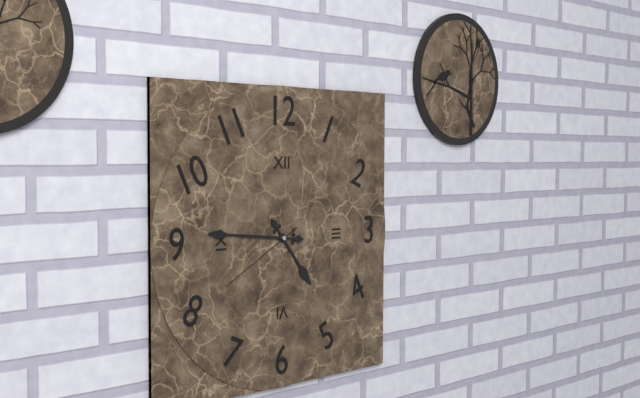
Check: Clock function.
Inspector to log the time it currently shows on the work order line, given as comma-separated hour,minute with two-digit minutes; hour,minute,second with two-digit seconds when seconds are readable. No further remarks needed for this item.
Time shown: 4,46,40
